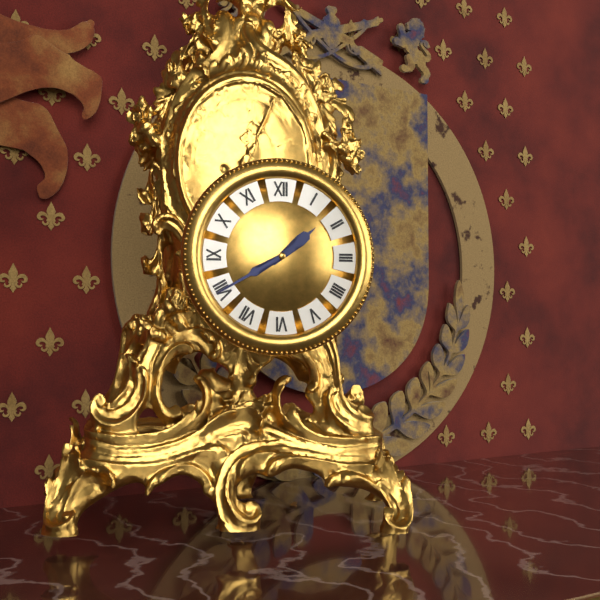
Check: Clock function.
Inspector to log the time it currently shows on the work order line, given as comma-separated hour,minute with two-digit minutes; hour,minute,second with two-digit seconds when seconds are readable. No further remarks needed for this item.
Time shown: 1,40
